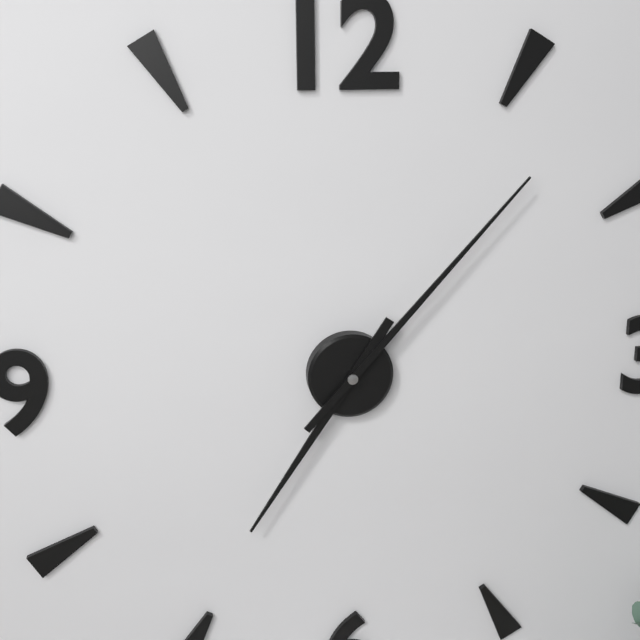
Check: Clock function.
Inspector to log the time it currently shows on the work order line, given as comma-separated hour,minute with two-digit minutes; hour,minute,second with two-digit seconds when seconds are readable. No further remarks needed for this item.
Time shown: 7,07
